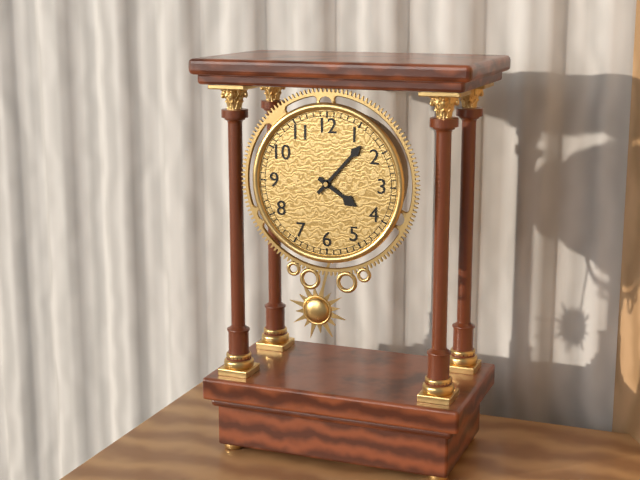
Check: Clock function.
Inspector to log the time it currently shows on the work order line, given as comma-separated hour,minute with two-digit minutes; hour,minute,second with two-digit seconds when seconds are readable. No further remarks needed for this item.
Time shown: 4,07
